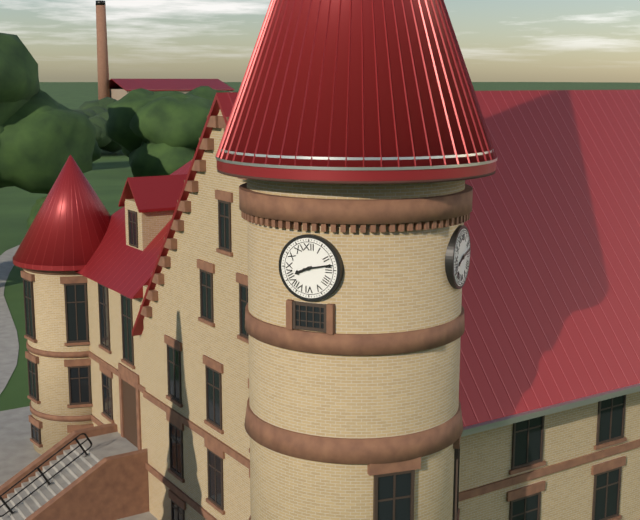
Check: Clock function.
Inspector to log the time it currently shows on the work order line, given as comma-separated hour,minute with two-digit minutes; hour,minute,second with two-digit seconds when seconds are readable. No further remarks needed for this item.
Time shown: 8,13
